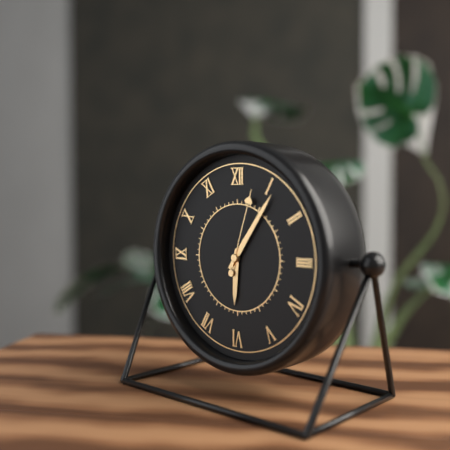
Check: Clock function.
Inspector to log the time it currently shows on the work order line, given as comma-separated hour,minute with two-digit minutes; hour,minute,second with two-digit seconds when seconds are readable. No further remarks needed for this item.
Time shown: 6,06,03
